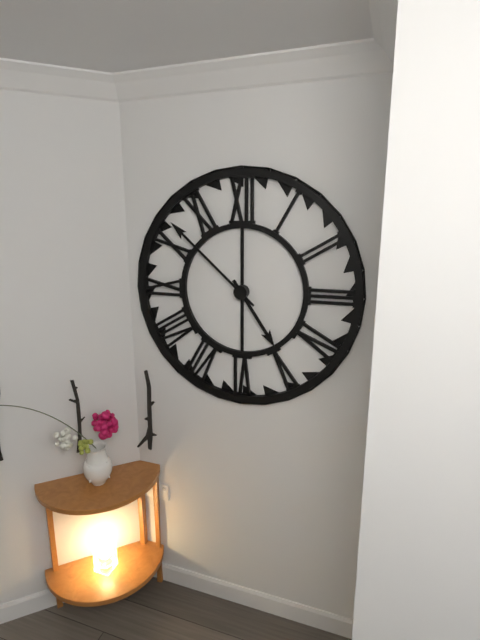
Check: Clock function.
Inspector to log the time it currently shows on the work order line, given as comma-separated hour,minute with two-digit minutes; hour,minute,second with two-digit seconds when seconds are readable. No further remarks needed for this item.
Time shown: 4,52
